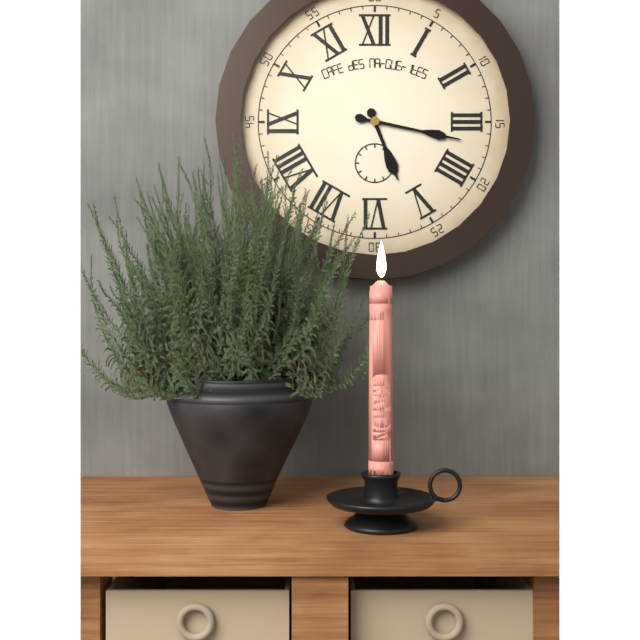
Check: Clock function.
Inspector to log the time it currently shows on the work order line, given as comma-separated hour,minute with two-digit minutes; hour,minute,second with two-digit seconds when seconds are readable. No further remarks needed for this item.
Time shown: 5,17
